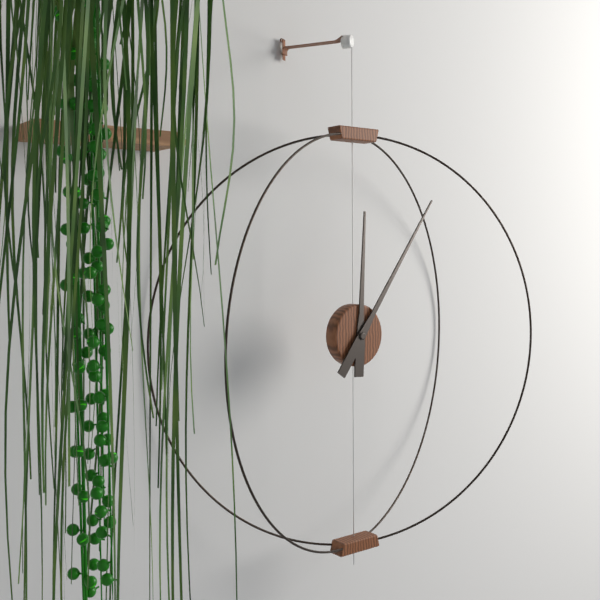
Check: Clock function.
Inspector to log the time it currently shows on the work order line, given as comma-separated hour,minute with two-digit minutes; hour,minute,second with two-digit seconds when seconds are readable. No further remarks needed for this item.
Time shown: 12,06
